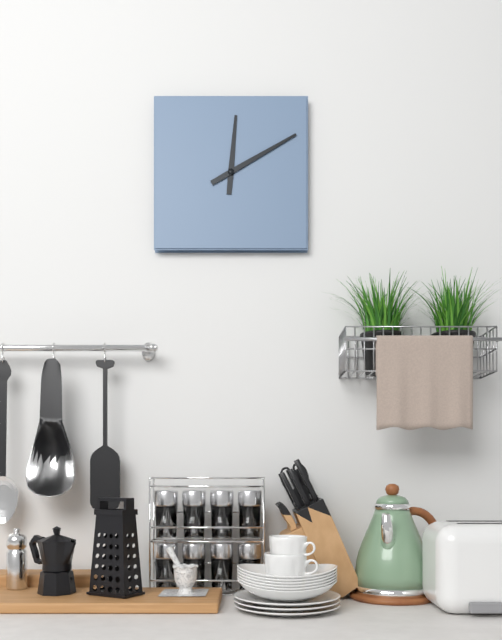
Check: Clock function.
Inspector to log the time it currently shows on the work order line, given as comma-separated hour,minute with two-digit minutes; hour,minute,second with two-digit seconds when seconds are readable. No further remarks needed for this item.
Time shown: 12,10
